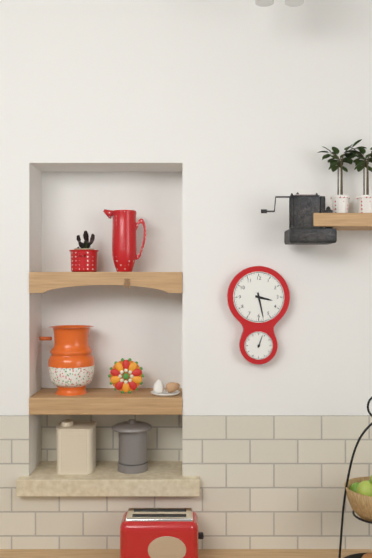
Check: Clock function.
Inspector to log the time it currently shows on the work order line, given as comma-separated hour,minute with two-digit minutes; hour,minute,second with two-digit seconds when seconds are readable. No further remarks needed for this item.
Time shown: 3,28
